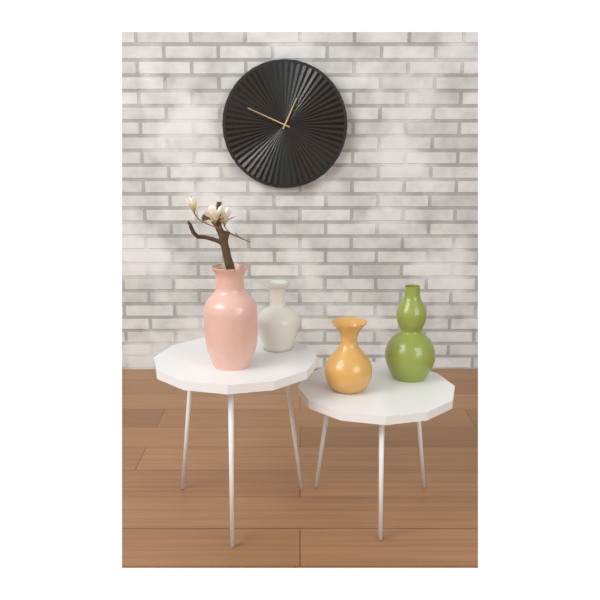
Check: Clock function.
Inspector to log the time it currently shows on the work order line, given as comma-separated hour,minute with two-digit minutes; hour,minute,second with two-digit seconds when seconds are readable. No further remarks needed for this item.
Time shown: 12,49
